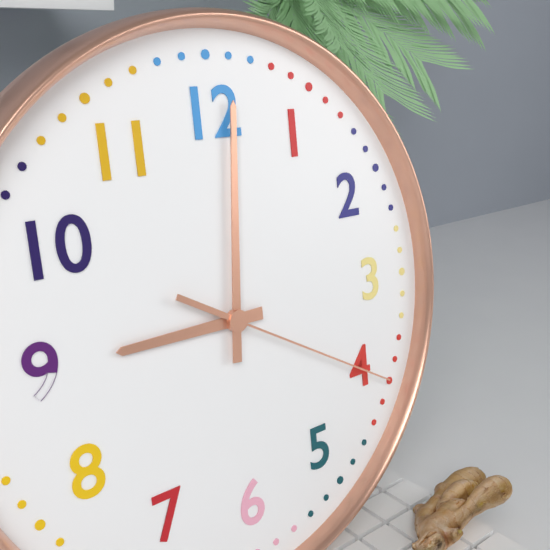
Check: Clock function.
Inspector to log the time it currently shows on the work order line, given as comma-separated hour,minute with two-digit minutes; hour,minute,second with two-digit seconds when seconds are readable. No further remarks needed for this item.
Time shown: 9,01,20
